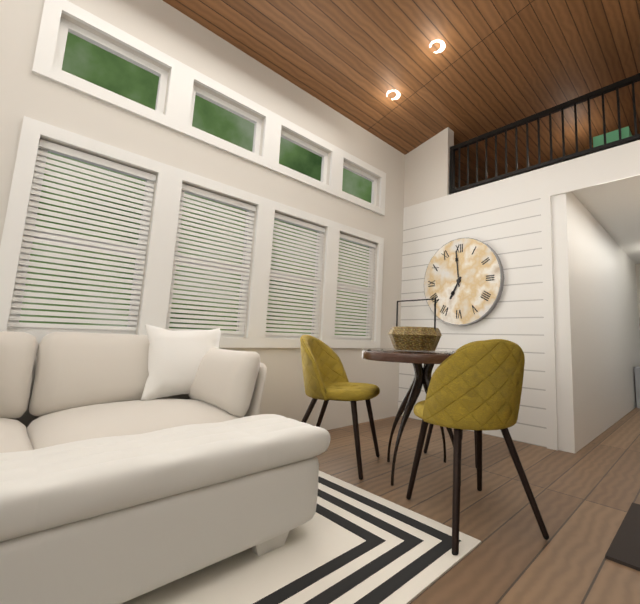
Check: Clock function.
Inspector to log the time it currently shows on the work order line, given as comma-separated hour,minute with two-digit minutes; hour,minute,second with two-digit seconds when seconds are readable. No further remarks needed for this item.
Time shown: 6,59
